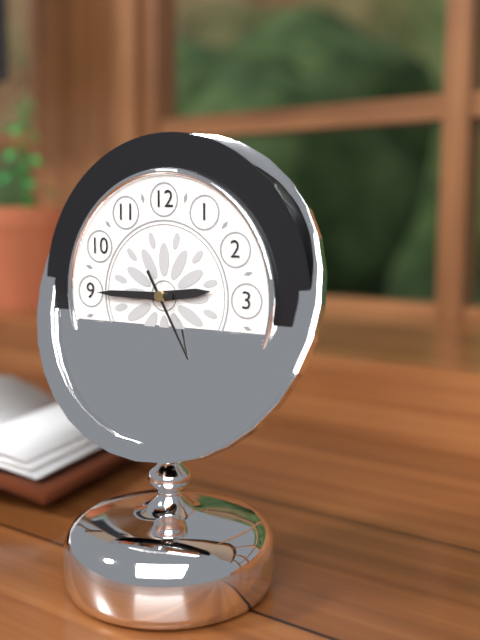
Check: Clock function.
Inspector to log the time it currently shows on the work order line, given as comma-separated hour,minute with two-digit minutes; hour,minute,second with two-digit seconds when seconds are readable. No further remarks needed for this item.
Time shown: 2,45
